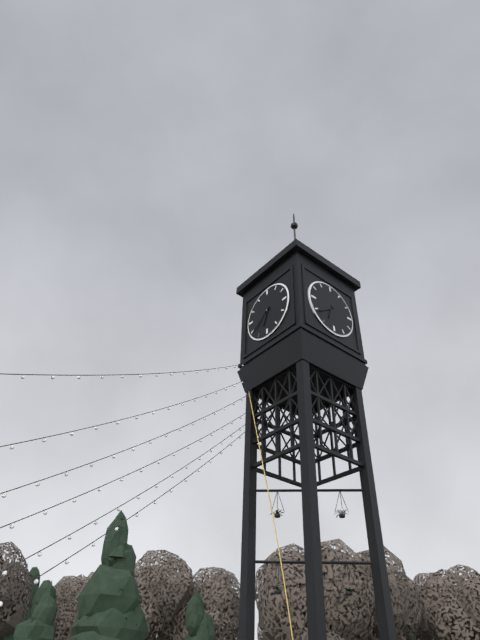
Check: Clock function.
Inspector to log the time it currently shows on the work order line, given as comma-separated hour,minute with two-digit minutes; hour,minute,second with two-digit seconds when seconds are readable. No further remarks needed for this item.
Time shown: 6,39
